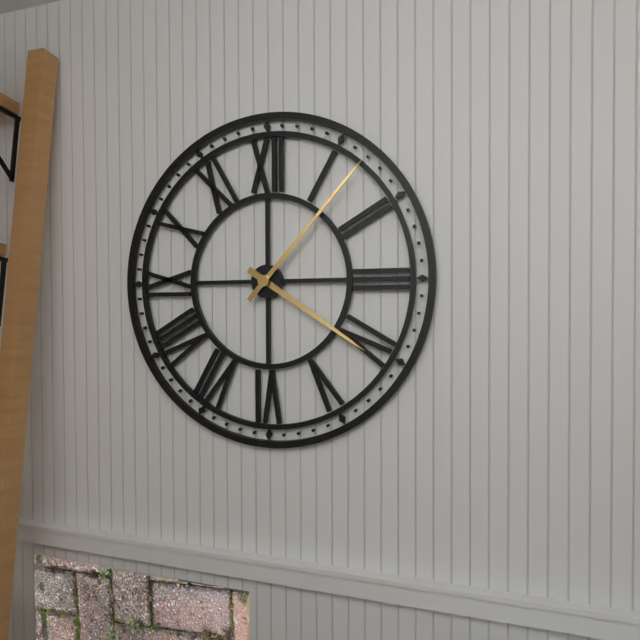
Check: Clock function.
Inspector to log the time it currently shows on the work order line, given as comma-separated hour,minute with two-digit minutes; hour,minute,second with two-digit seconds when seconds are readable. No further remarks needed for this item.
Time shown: 4,07
